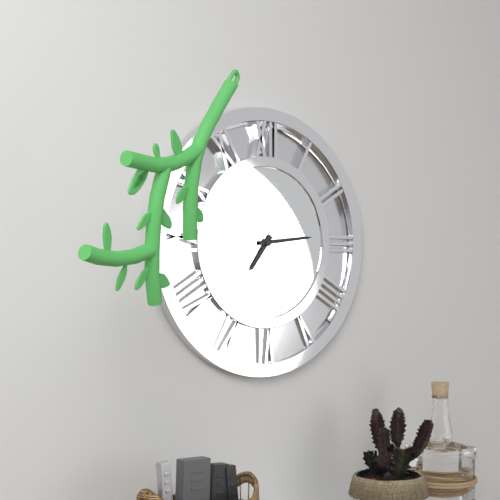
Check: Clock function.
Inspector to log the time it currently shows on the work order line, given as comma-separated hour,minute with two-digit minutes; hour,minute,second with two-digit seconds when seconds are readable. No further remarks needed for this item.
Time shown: 7,14
